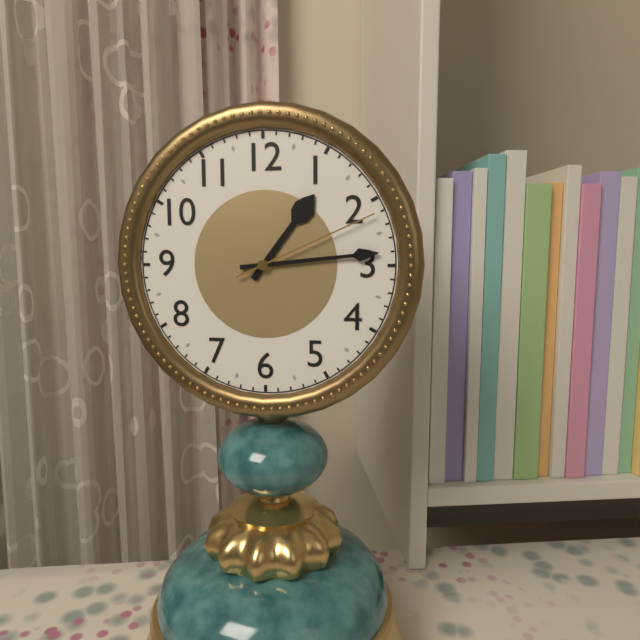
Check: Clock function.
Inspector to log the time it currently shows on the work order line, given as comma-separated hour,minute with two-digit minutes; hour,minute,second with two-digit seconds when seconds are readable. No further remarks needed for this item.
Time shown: 1,14,11
